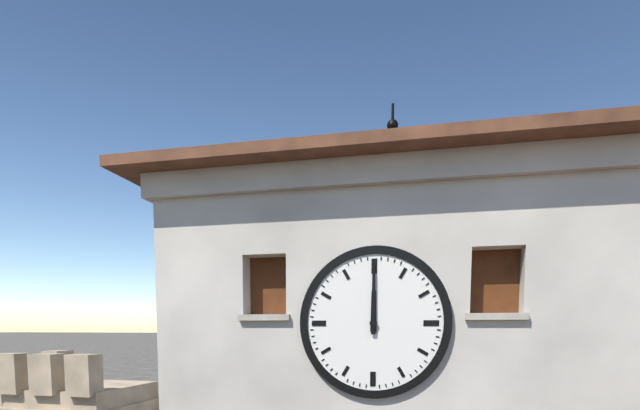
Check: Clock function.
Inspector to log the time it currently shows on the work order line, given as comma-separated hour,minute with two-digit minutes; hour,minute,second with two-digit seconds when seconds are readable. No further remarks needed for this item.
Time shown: 12,00
